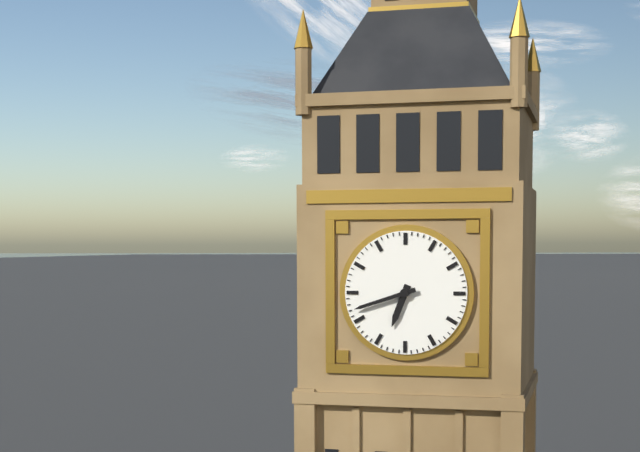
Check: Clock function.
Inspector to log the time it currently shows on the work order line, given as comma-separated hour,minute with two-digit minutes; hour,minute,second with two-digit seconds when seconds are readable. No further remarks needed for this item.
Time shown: 6,42
